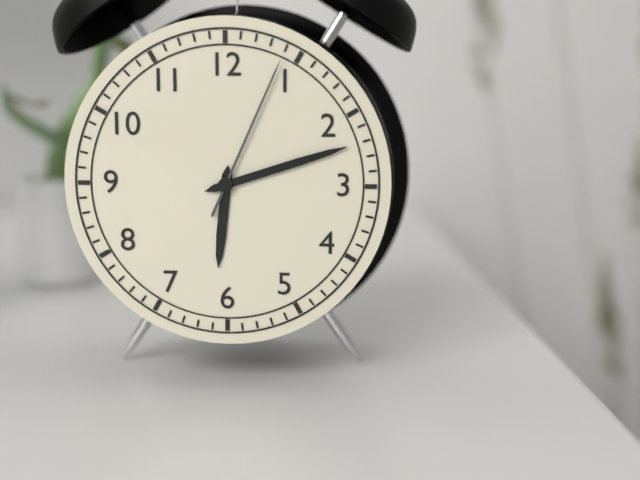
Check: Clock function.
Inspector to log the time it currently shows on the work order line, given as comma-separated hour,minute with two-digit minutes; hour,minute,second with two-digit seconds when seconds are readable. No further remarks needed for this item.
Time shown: 6,12,04
